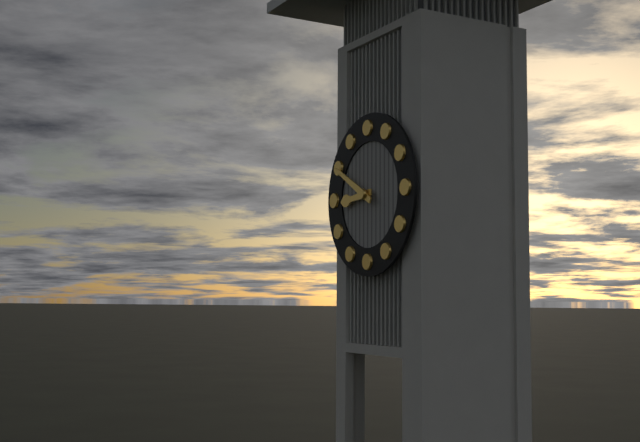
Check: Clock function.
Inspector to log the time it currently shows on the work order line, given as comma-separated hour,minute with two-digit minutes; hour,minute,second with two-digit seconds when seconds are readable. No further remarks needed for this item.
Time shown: 8,50
